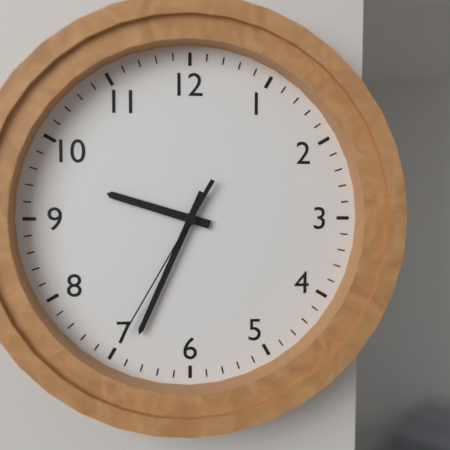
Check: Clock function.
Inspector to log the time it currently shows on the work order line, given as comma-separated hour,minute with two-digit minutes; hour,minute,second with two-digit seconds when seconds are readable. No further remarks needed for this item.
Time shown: 9,34,35
